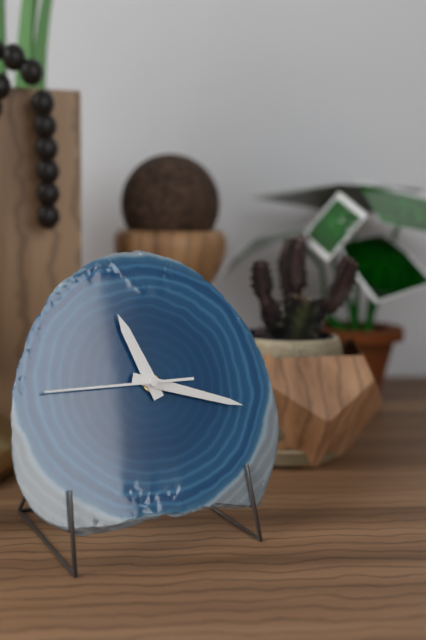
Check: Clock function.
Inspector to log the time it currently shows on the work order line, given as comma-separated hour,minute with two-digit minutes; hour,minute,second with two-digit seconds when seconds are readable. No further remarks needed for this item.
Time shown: 11,18,45
